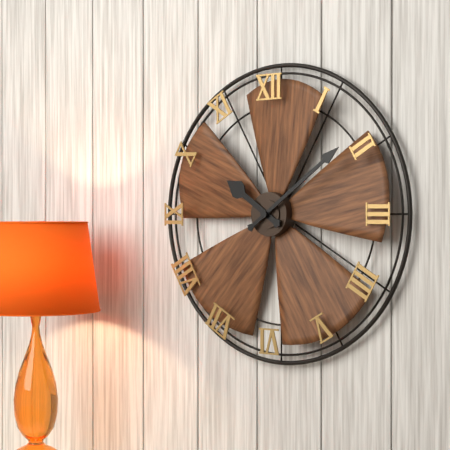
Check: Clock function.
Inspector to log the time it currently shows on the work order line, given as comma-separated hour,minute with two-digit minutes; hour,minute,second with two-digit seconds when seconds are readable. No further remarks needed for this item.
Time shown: 10,09
